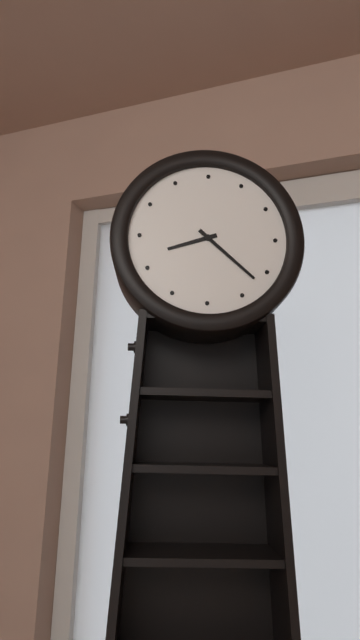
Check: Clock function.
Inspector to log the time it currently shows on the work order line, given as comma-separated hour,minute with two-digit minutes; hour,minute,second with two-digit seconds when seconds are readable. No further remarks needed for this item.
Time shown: 8,22
